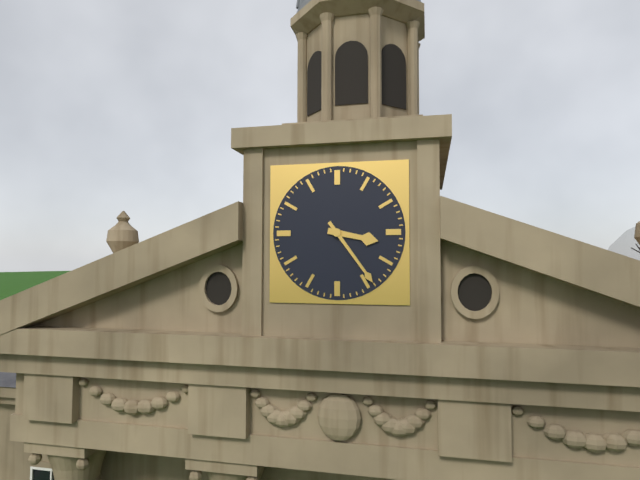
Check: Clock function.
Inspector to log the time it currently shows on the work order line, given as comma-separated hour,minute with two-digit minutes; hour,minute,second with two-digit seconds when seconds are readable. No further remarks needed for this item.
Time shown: 3,24
